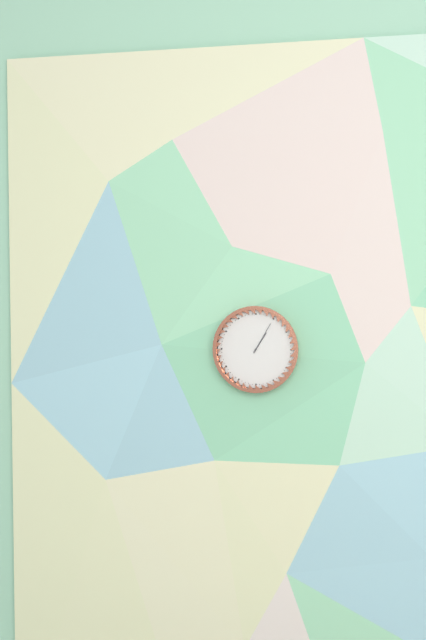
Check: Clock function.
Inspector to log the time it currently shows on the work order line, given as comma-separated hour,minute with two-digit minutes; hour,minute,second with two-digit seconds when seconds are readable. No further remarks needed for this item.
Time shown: 1,05
